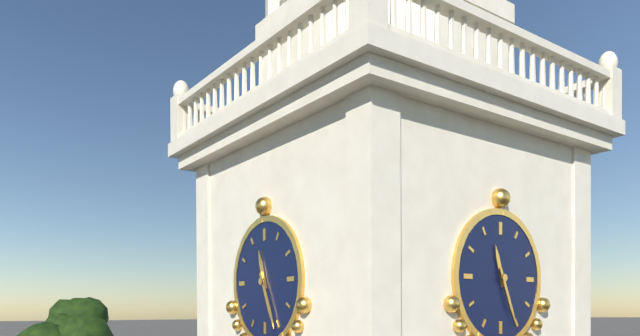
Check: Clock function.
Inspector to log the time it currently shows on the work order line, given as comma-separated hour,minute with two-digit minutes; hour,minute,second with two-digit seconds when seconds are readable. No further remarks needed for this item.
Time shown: 11,26
